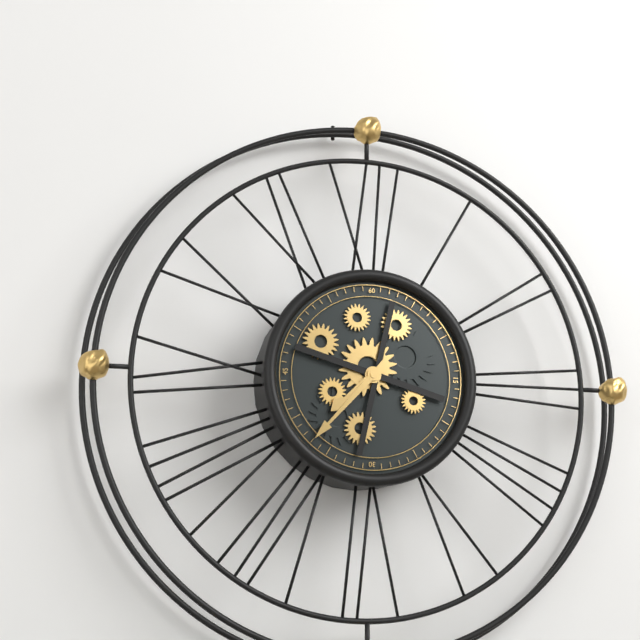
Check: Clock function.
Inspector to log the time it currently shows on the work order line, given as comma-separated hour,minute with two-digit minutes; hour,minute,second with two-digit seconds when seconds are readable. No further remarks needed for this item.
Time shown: 7,37
